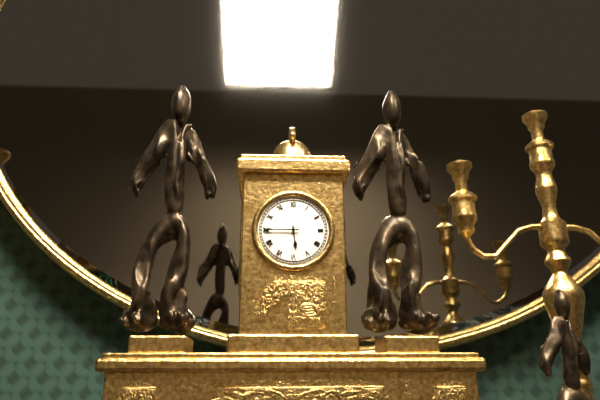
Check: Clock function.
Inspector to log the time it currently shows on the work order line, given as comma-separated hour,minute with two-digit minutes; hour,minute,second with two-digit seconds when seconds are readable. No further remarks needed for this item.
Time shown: 5,45
